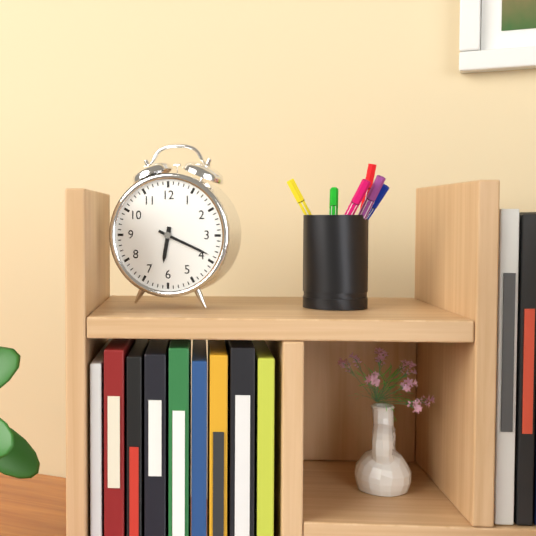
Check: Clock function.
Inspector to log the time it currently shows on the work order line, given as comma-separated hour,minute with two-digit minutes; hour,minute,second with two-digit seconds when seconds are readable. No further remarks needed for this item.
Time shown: 6,19
